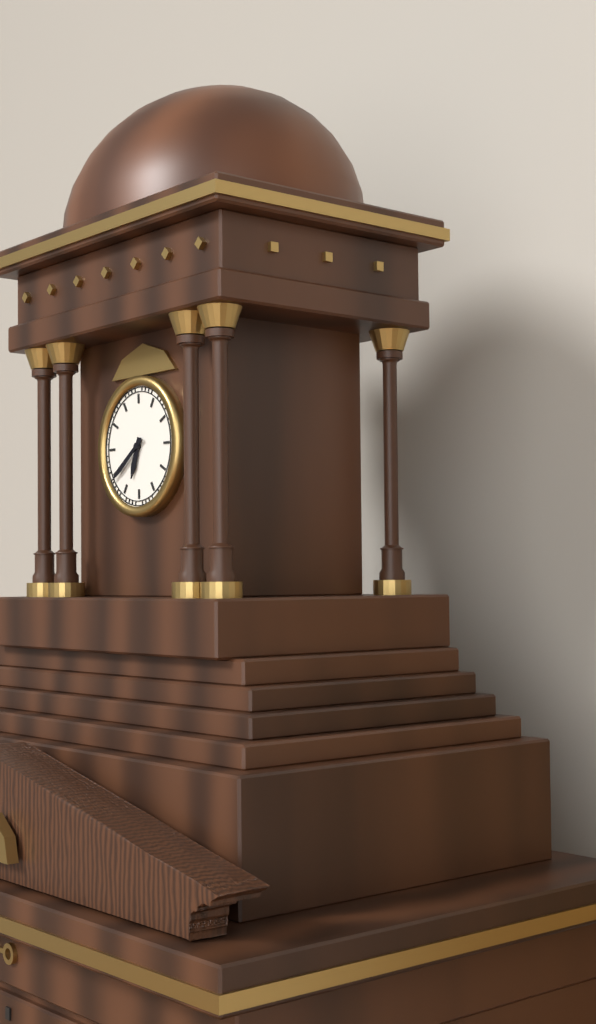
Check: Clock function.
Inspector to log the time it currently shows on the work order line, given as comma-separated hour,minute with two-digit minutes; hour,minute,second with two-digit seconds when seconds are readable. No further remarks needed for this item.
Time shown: 6,39
